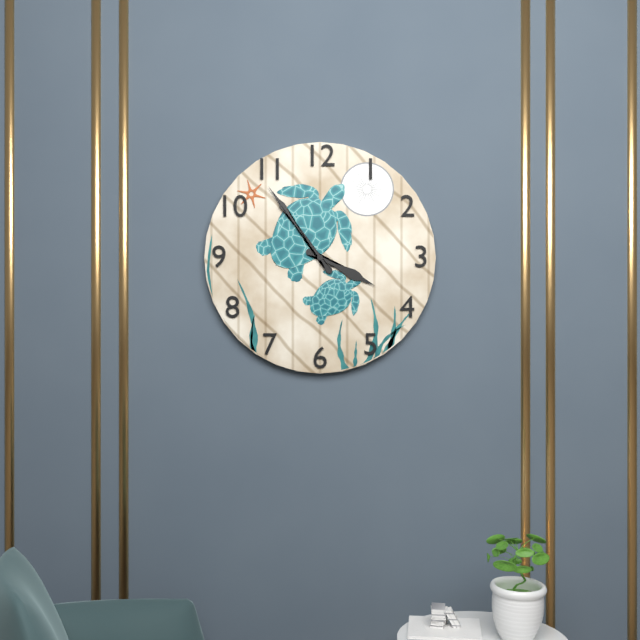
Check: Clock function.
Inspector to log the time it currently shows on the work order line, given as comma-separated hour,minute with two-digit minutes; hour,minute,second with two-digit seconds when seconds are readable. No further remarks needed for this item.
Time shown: 3,54
